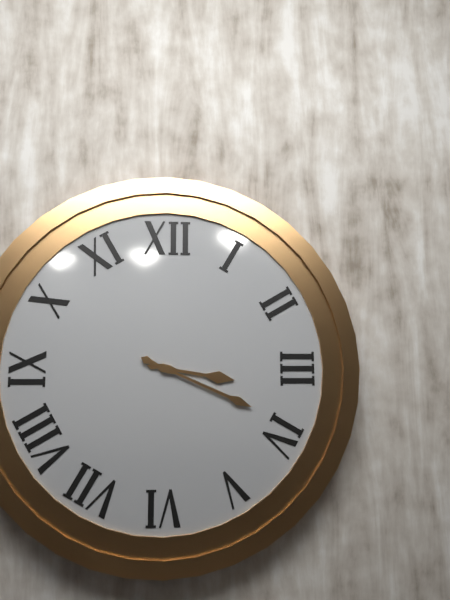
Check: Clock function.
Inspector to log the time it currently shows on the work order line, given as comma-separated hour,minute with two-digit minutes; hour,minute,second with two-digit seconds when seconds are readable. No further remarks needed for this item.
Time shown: 3,19
